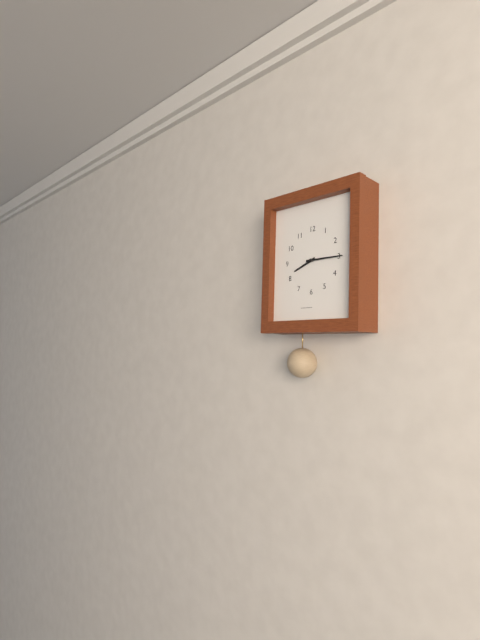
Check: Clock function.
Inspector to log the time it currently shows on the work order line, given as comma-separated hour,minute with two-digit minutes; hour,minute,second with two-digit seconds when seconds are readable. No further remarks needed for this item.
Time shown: 8,15
